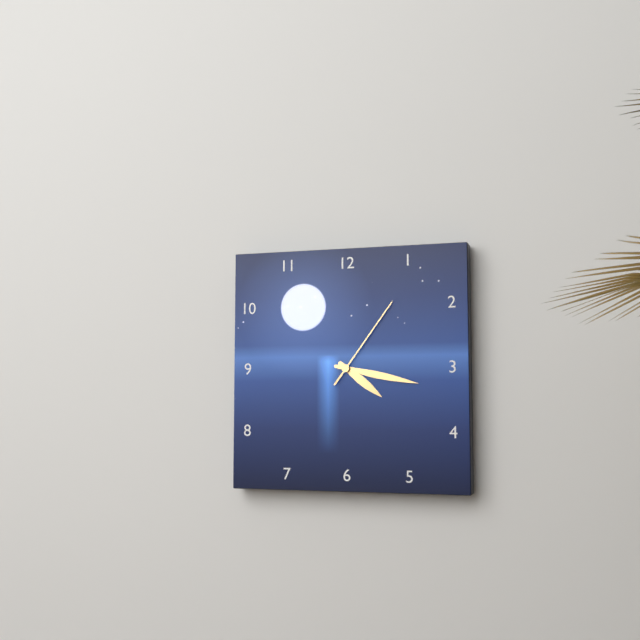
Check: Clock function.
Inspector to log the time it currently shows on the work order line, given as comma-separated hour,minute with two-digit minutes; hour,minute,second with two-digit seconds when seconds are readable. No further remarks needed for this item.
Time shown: 4,17,06
